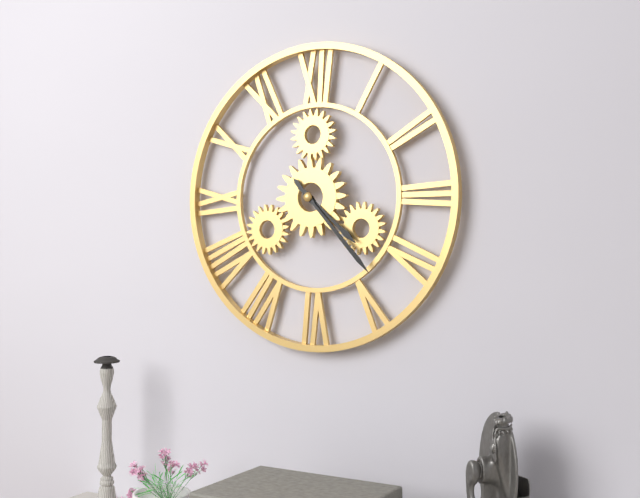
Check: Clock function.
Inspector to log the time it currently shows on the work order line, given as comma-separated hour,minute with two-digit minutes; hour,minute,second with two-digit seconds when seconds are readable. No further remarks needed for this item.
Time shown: 4,23
